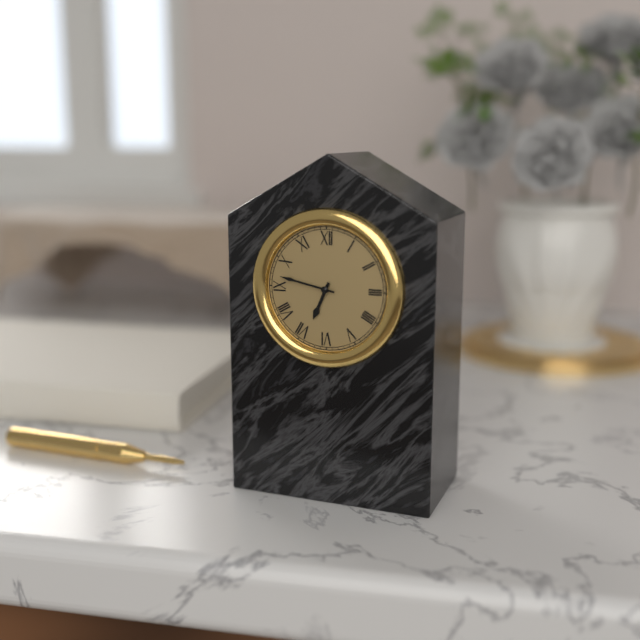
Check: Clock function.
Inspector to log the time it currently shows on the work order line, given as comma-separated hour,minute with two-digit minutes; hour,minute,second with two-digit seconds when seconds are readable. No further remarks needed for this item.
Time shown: 6,47
